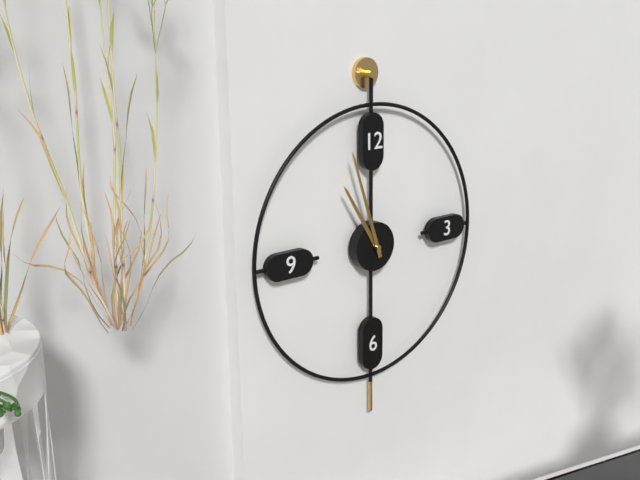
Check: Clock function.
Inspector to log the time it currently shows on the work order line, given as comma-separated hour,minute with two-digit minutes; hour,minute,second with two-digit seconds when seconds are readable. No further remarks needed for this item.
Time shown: 10,57
